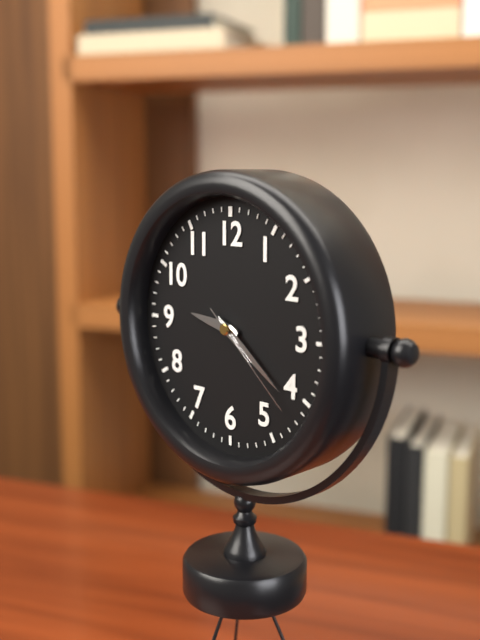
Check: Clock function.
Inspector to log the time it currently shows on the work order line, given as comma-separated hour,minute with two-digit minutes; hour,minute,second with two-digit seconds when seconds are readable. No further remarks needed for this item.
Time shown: 9,21,22
